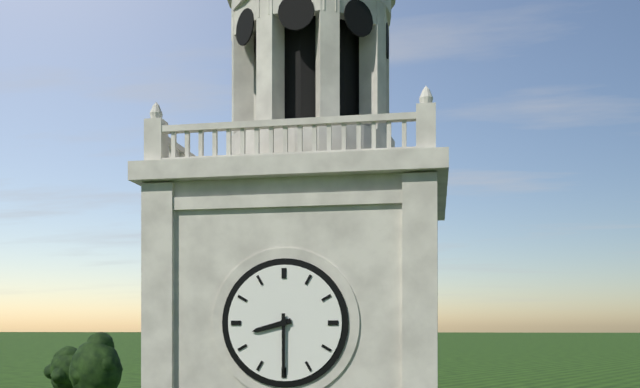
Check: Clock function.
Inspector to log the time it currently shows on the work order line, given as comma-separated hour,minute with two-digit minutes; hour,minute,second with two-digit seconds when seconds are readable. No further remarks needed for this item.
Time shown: 8,30
